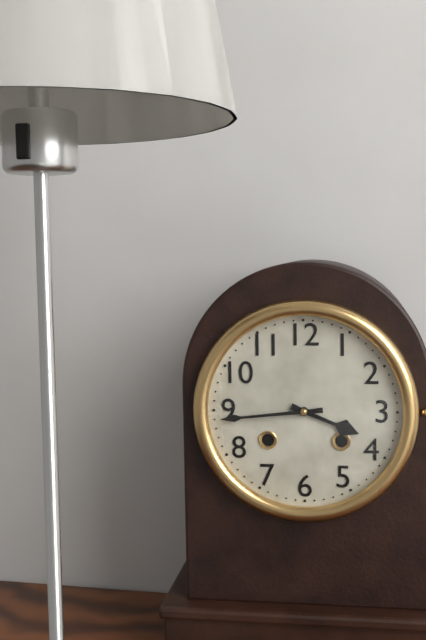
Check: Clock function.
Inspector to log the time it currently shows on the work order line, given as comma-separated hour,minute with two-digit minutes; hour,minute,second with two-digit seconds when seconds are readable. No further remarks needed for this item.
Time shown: 3,44
